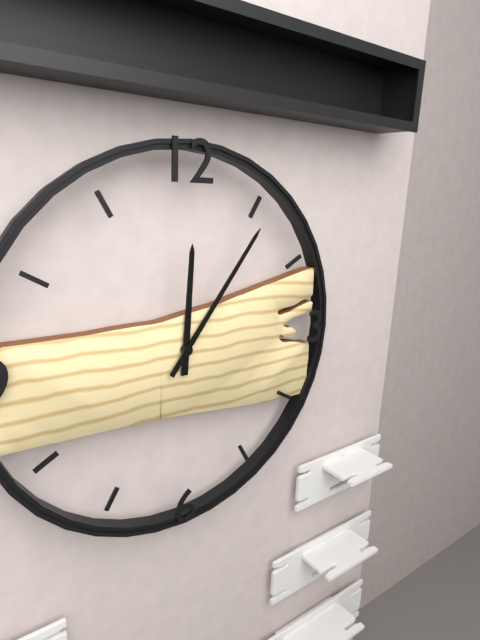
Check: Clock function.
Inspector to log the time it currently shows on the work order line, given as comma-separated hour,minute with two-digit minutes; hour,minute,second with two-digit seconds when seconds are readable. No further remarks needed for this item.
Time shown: 12,06
